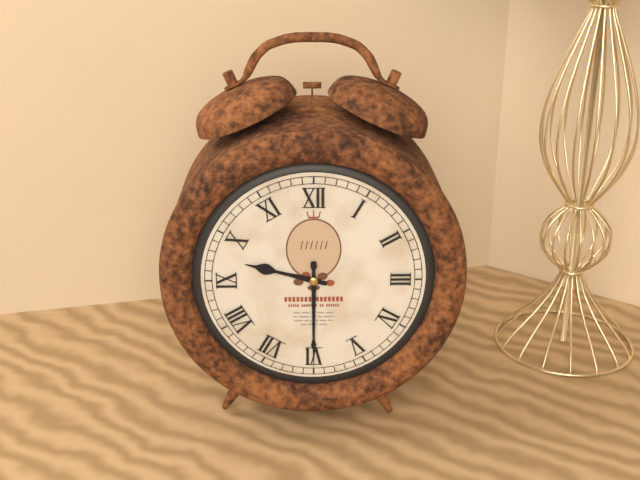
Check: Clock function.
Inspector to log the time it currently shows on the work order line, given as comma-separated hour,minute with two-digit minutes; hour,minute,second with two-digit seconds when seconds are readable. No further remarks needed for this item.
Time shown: 9,30
